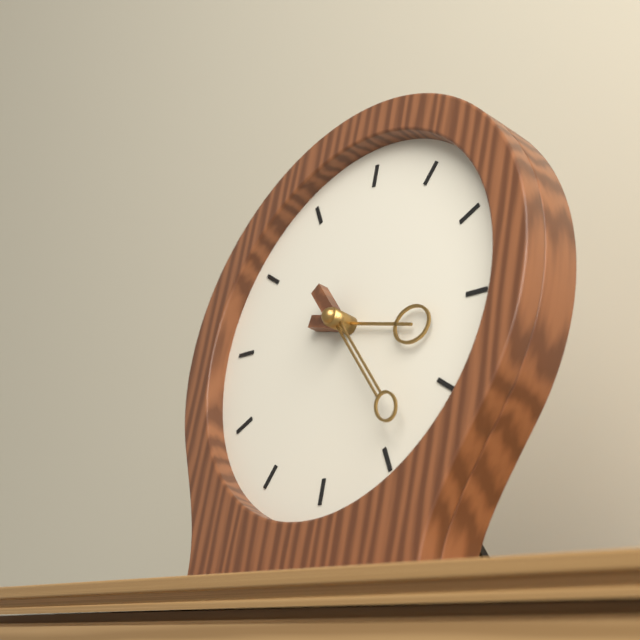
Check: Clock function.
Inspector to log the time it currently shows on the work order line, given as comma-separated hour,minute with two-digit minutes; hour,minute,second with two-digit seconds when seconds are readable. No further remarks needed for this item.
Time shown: 3,23
